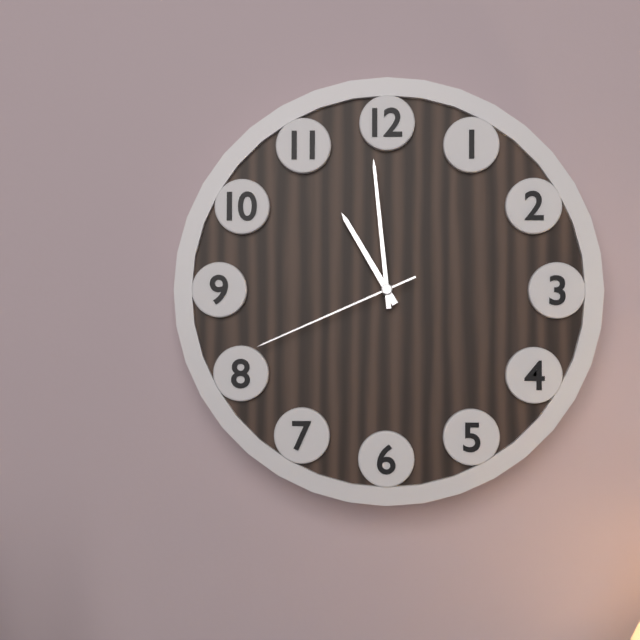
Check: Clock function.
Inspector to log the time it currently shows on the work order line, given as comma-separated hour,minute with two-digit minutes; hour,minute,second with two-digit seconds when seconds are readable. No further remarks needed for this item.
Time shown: 10,59,41
